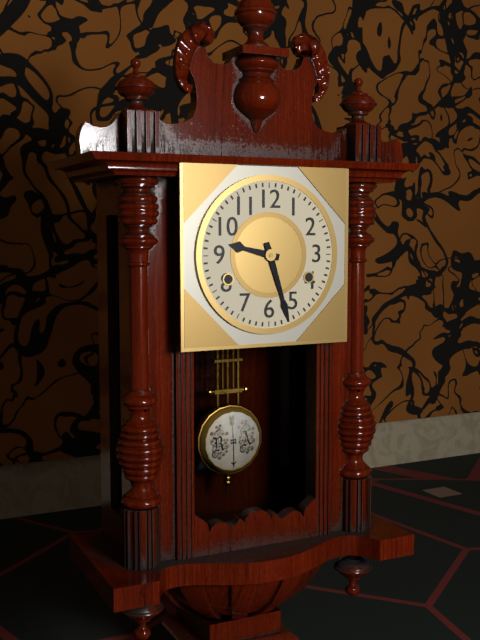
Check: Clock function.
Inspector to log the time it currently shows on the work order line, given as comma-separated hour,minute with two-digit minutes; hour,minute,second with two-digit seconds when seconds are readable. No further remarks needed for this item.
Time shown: 9,27
